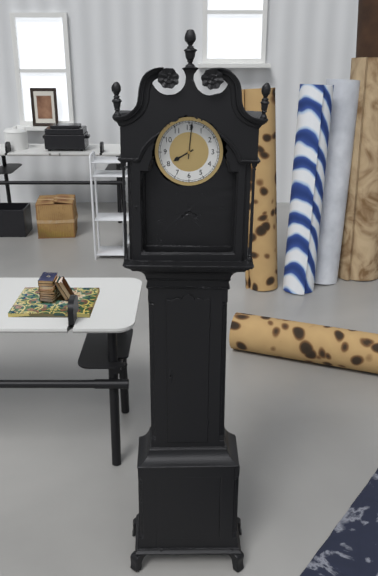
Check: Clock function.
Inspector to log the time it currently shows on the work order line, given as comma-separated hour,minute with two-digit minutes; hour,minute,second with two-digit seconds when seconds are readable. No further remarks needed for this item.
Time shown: 8,01
